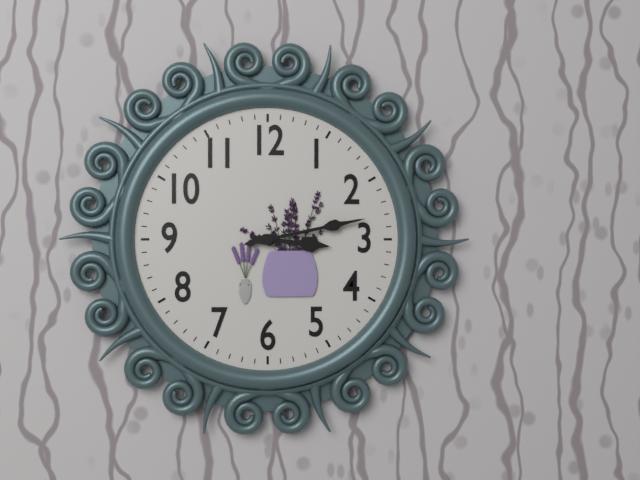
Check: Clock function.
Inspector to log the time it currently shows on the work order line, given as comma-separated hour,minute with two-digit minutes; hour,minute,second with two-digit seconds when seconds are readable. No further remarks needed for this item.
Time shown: 3,13
